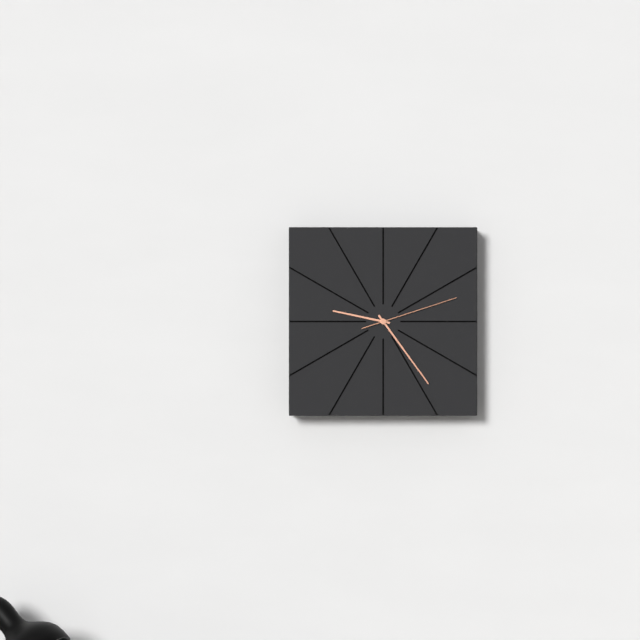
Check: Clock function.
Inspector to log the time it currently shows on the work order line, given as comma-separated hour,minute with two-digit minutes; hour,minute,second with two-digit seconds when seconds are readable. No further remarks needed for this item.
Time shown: 9,24,12
